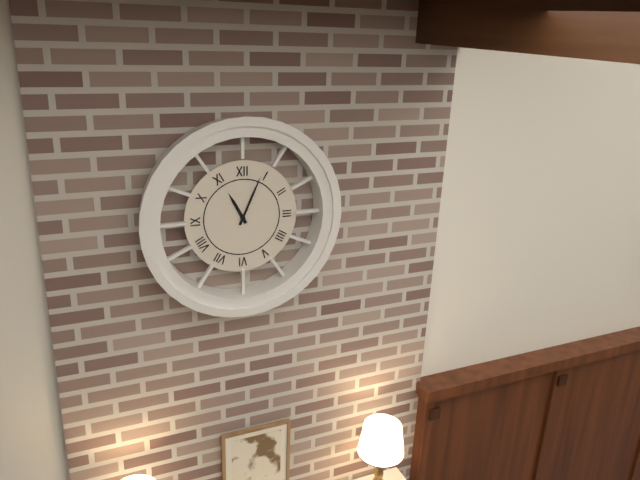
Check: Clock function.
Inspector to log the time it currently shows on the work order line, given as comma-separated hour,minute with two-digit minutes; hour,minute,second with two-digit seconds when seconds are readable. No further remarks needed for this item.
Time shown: 11,04
